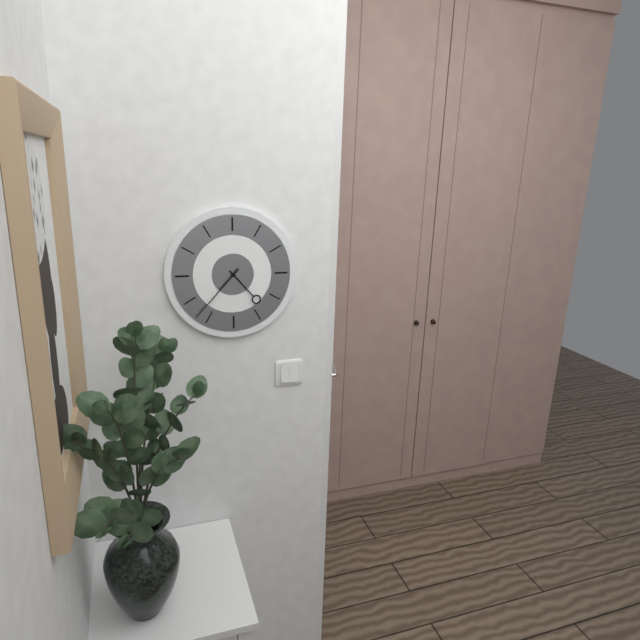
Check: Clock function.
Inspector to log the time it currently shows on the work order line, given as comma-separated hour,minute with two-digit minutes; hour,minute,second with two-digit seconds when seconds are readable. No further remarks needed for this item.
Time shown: 4,37
